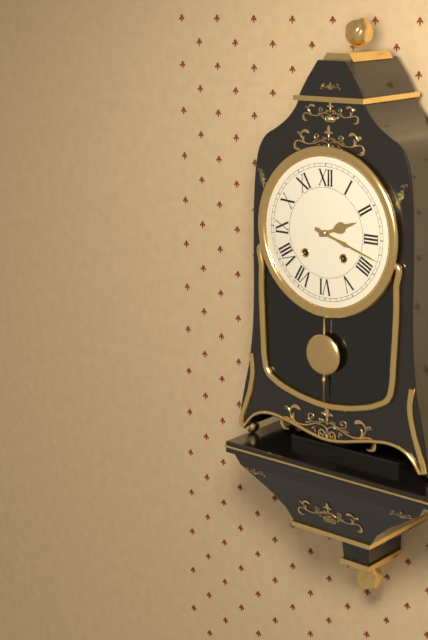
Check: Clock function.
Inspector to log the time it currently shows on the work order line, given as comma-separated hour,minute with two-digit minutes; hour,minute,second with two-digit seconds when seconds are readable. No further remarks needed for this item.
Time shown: 2,18
